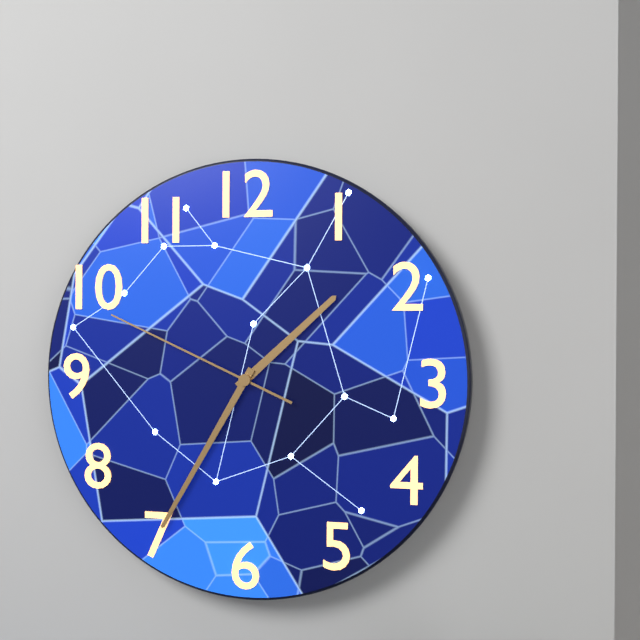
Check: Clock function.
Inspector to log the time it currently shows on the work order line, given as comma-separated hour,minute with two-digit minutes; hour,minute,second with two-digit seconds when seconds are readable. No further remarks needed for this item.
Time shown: 1,35,49
